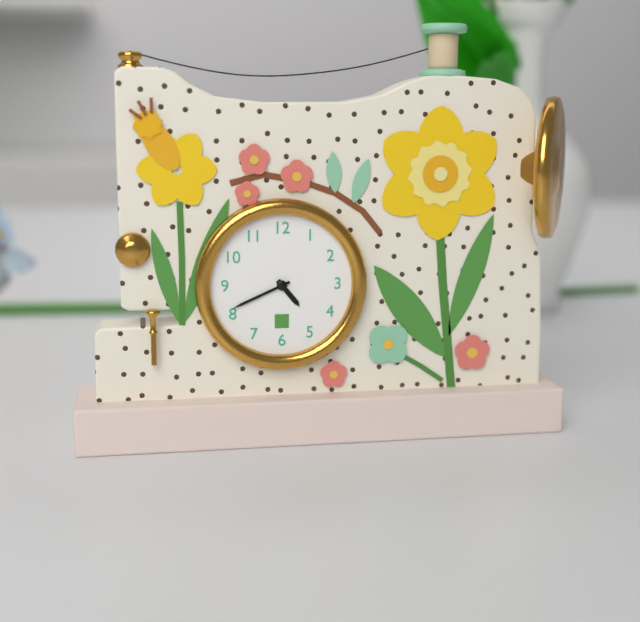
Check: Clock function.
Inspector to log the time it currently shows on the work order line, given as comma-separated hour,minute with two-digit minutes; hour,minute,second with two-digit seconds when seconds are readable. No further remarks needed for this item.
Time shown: 4,41
